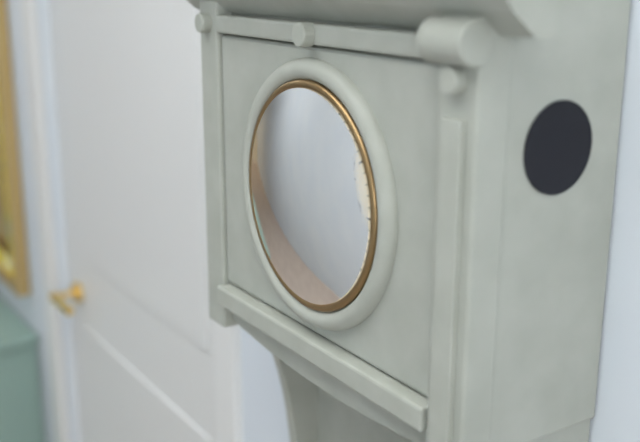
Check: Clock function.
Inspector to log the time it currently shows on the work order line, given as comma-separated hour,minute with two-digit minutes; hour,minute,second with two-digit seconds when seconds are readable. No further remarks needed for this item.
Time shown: 12,55
